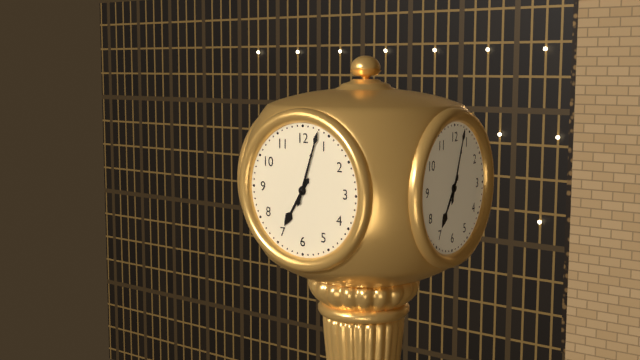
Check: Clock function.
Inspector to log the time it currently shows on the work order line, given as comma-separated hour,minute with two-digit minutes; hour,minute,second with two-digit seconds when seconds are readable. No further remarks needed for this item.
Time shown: 7,03
